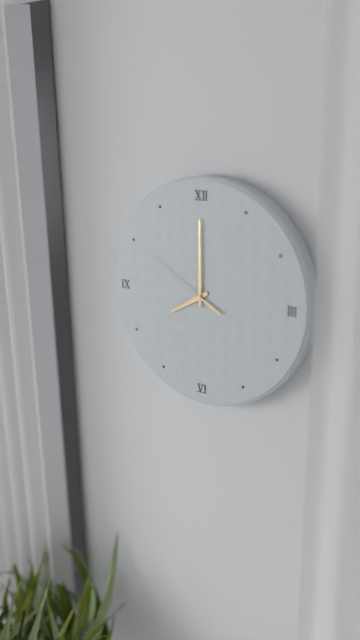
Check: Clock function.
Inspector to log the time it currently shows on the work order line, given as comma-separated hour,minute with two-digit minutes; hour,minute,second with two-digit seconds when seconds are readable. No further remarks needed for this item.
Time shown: 8,00,50
